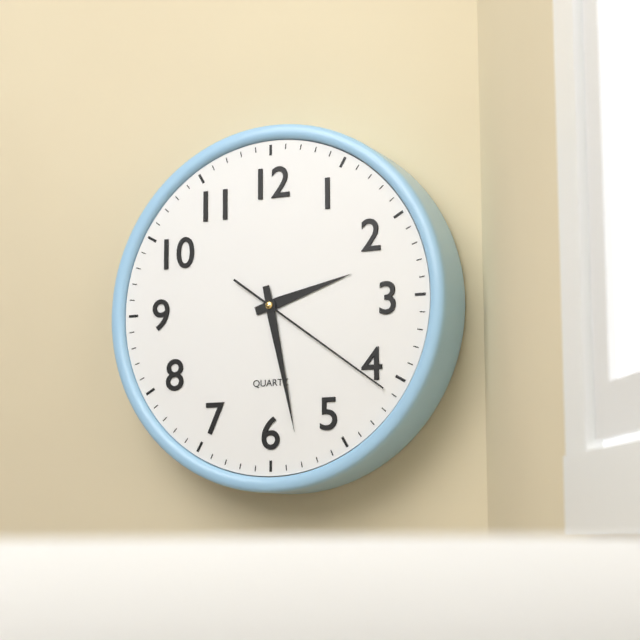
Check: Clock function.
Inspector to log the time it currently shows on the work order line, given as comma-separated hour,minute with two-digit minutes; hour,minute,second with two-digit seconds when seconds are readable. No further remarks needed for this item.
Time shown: 2,28,21
